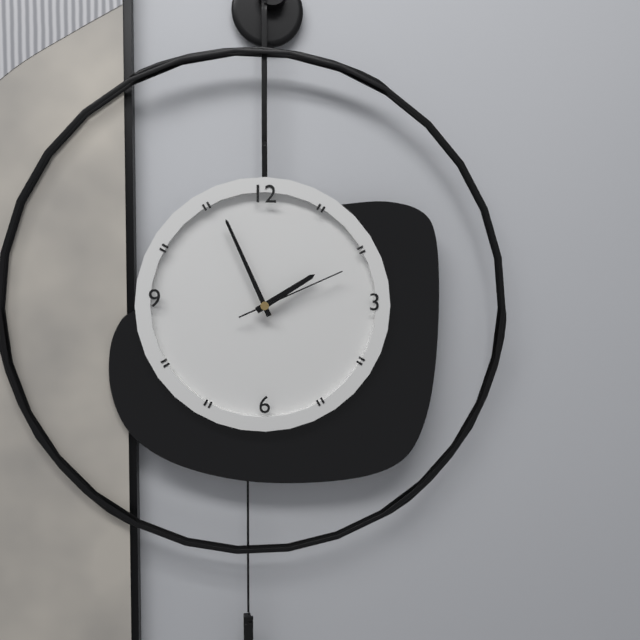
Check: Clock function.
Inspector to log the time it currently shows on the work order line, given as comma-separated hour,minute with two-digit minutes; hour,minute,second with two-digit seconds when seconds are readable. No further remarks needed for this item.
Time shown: 1,56,11
